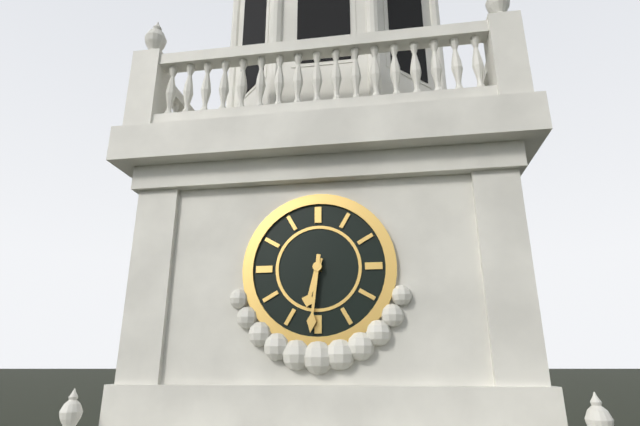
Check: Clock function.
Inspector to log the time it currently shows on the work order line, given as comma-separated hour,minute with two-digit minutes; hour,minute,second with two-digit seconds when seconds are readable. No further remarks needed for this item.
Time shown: 6,31
